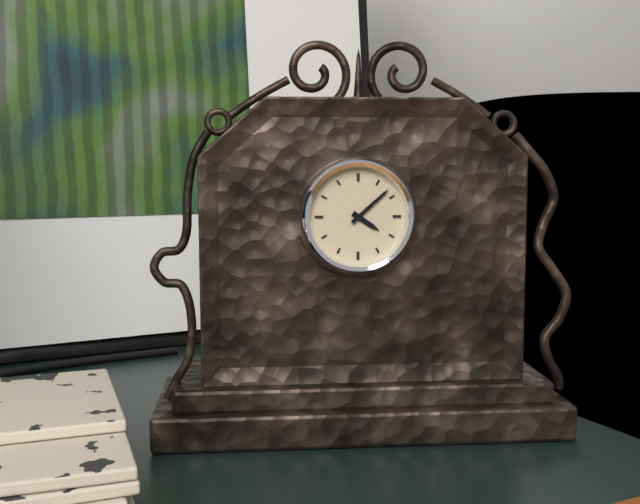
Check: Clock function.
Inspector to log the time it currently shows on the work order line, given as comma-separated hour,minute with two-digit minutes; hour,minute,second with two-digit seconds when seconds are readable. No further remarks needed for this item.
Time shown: 4,08
